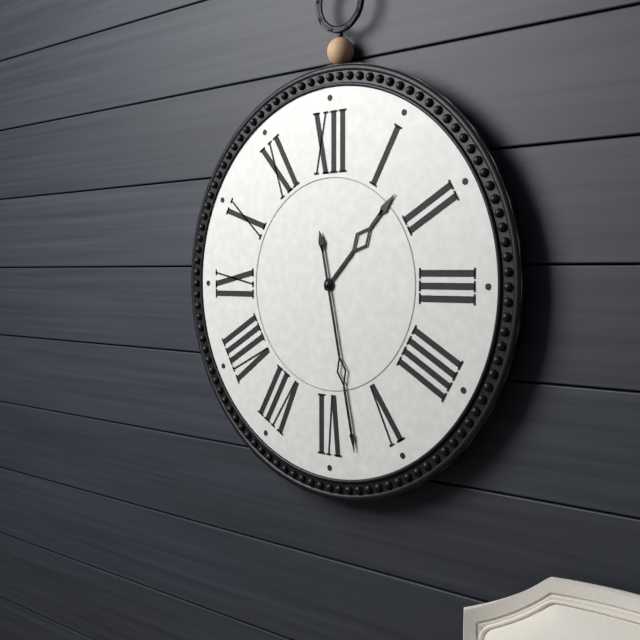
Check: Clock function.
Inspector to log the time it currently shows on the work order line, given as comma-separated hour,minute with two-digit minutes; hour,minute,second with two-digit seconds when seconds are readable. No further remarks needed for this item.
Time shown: 1,28
